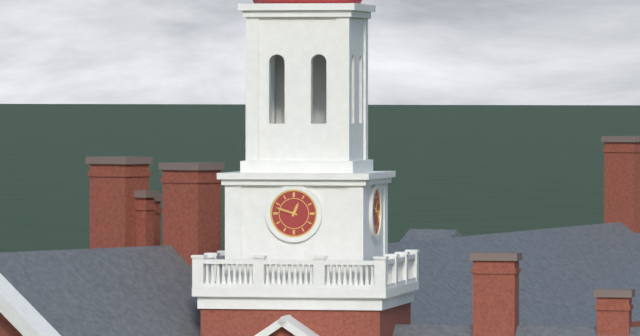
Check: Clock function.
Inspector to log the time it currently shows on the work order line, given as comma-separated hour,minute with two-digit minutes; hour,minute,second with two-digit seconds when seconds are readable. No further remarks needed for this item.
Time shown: 12,48
